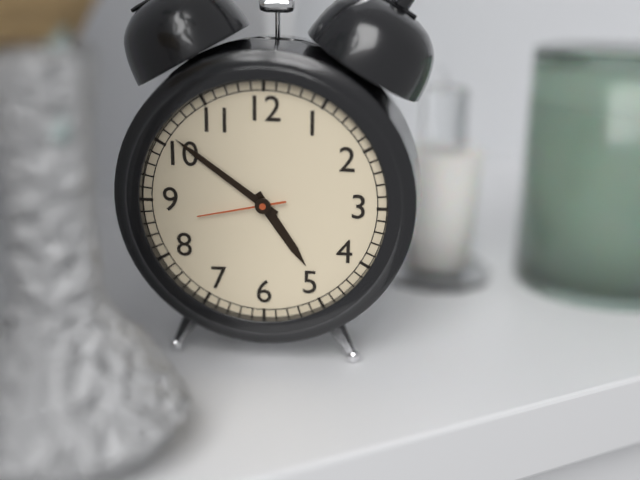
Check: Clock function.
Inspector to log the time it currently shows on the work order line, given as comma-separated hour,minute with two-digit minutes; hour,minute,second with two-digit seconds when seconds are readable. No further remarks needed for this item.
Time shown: 4,51,43
